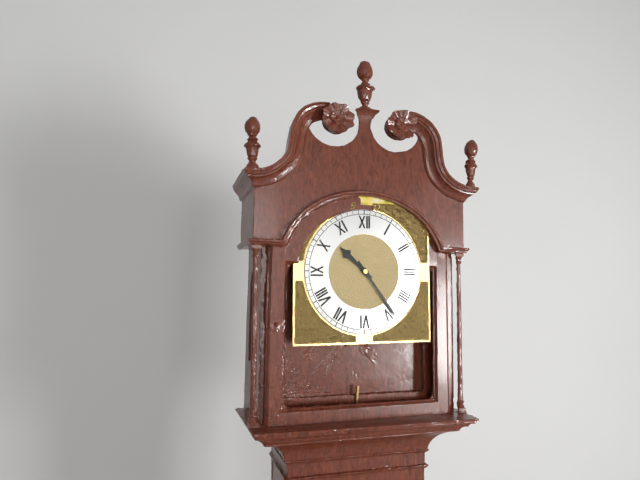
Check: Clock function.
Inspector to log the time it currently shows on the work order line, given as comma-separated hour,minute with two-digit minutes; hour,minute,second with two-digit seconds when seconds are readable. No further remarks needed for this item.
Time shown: 10,24
